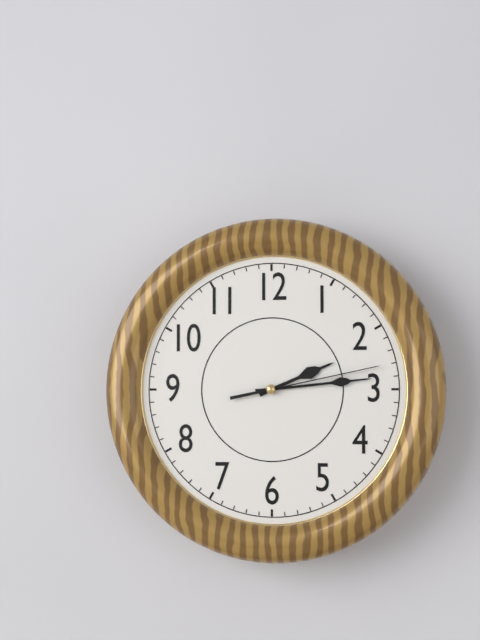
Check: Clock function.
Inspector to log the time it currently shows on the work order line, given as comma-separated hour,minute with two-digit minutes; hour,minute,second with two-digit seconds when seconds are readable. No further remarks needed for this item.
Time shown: 2,14,13
